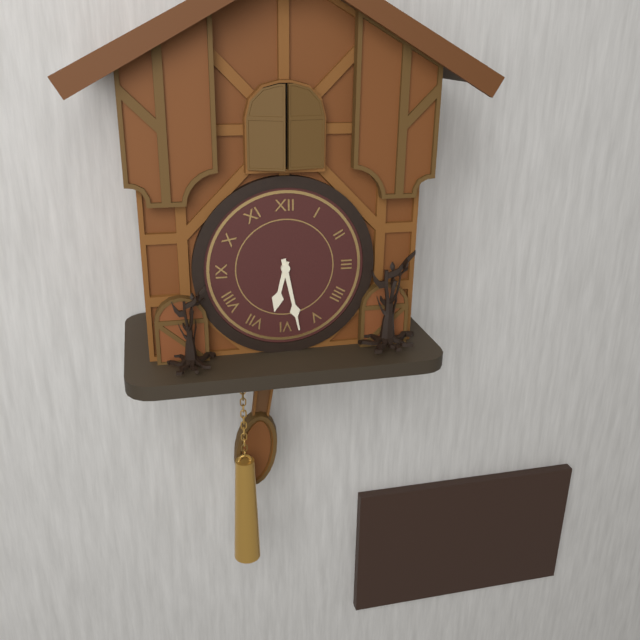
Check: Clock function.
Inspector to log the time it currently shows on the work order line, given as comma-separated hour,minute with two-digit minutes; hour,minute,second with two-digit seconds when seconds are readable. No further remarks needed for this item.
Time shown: 6,28
